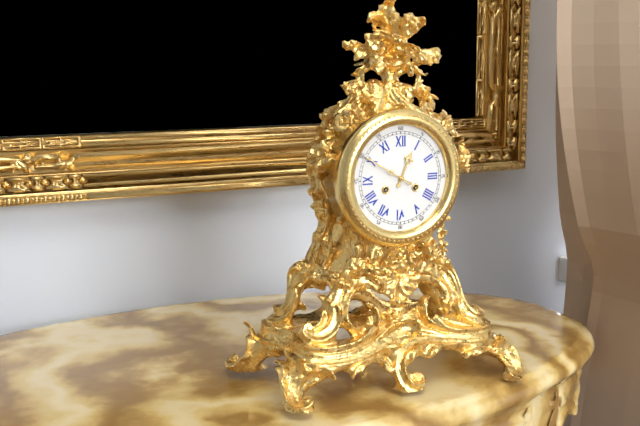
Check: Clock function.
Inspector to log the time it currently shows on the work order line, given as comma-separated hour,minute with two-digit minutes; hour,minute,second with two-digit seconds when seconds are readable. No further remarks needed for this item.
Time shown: 12,50
